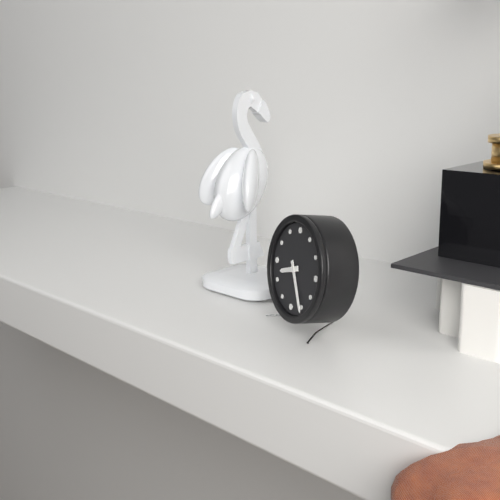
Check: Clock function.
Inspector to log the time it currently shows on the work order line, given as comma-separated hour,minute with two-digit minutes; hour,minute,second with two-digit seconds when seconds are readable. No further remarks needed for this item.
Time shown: 8,25
